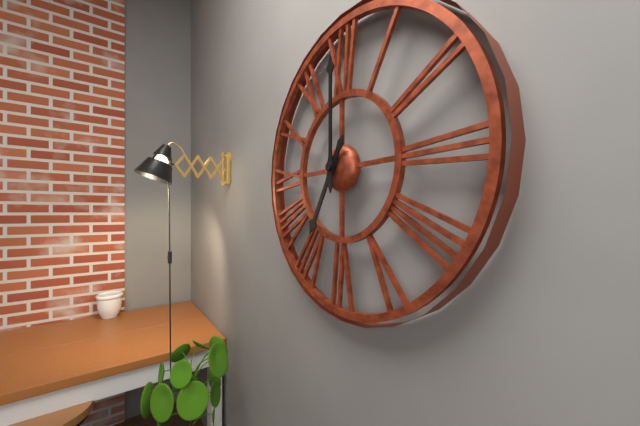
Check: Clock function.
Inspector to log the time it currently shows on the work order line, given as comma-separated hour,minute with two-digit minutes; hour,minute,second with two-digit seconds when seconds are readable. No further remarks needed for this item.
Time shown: 7,00
